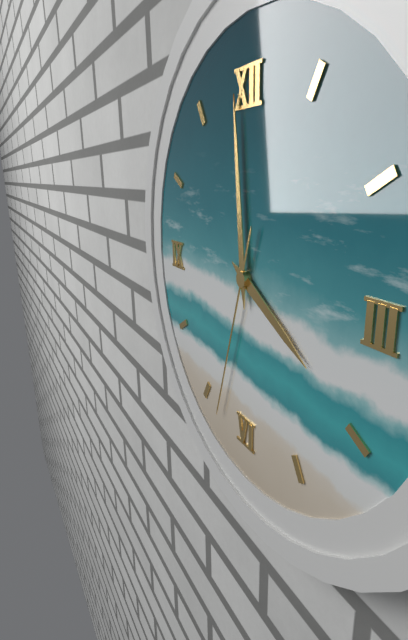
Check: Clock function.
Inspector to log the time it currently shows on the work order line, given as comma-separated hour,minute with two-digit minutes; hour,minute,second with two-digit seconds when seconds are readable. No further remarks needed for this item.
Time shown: 3,59,33
